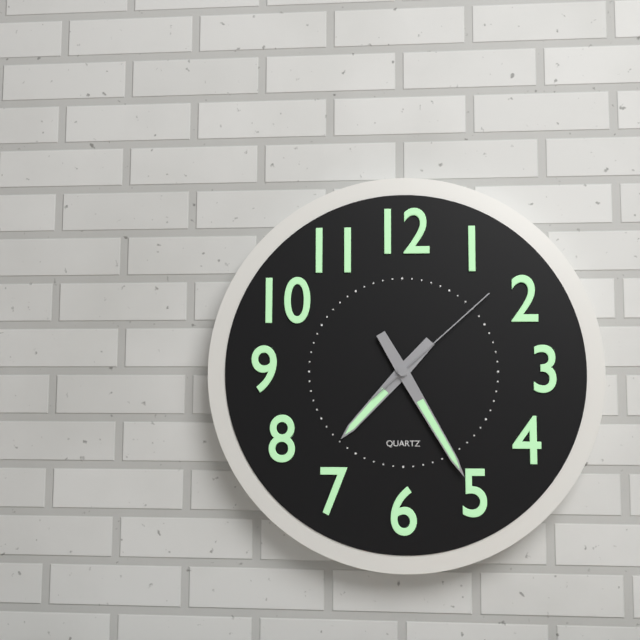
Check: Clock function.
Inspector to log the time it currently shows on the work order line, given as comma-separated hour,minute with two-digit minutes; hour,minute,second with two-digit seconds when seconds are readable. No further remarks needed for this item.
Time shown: 7,25,08
